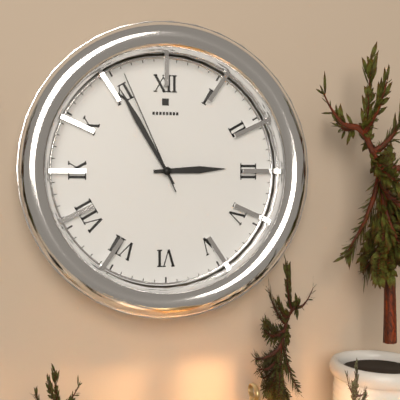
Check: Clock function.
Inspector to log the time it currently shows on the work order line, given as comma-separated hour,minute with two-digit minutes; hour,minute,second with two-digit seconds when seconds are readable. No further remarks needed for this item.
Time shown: 2,55,56
